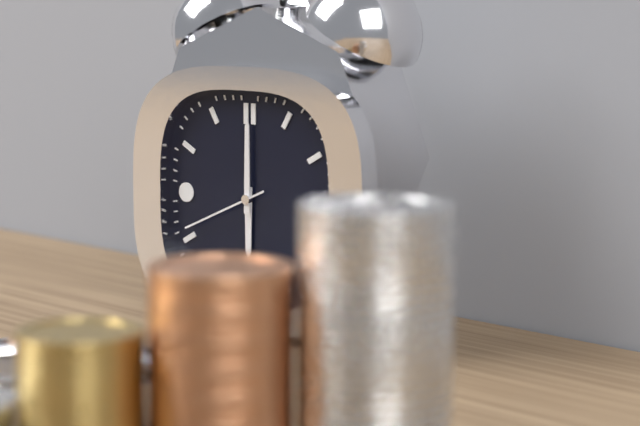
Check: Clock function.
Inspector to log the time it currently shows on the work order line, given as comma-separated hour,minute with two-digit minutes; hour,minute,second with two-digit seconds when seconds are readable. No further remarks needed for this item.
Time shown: 6,00,41
